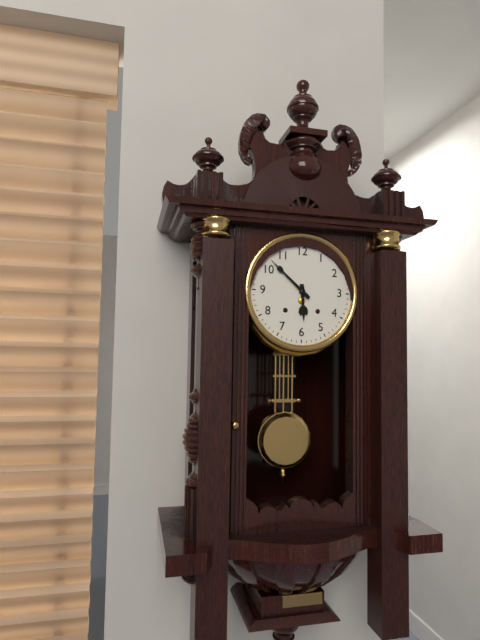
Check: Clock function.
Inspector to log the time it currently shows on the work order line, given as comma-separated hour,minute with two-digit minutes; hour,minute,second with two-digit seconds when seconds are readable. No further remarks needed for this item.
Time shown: 5,52
